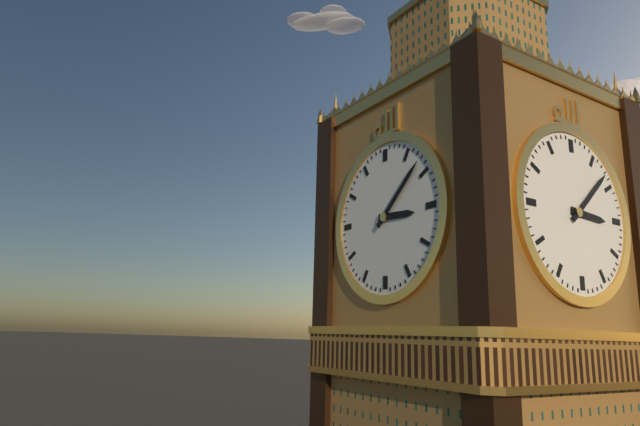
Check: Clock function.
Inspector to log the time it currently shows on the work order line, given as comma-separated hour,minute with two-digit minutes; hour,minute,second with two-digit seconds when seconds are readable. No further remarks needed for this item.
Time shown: 3,08
